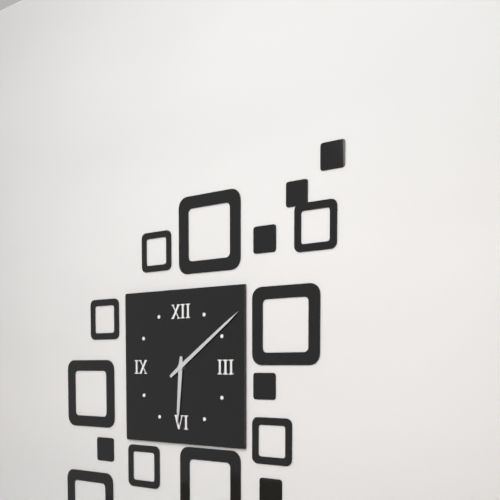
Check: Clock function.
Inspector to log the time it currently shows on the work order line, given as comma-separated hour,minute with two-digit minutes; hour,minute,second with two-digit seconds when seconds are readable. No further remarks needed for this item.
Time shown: 6,09
